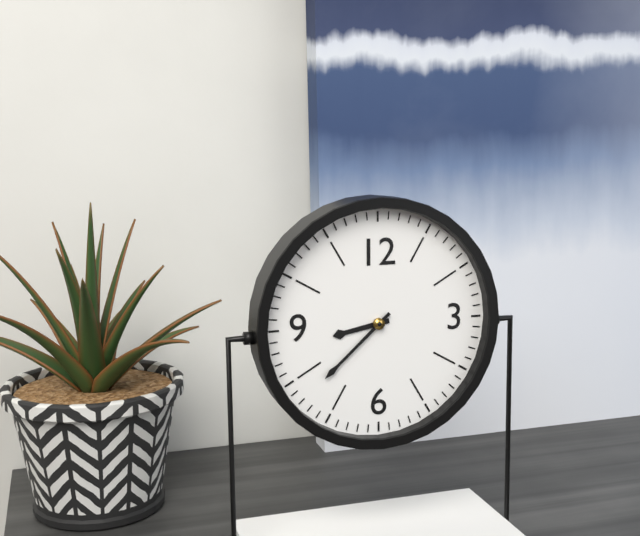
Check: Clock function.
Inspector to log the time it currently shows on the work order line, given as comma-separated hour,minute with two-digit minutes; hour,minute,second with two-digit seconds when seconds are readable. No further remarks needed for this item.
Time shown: 8,38
